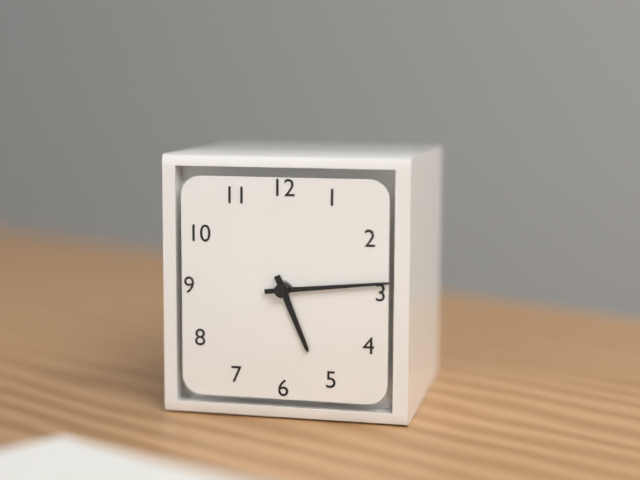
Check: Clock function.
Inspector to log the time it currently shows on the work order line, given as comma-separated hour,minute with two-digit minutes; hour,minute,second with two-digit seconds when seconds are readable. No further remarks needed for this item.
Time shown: 5,14
